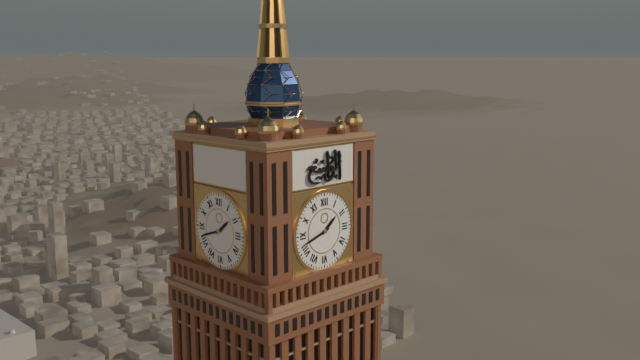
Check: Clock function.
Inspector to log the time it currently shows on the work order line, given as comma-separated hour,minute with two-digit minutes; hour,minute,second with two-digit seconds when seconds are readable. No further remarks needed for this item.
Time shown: 1,42
